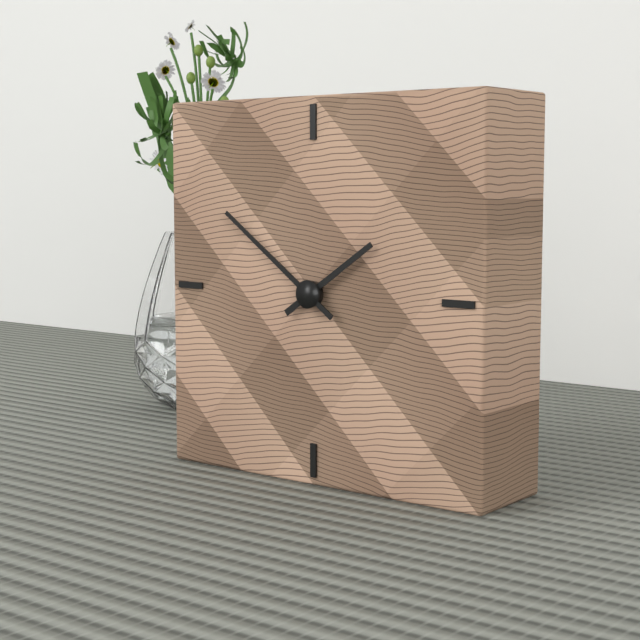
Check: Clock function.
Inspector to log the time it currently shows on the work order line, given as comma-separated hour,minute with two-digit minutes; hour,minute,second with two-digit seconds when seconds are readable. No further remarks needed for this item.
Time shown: 1,51
